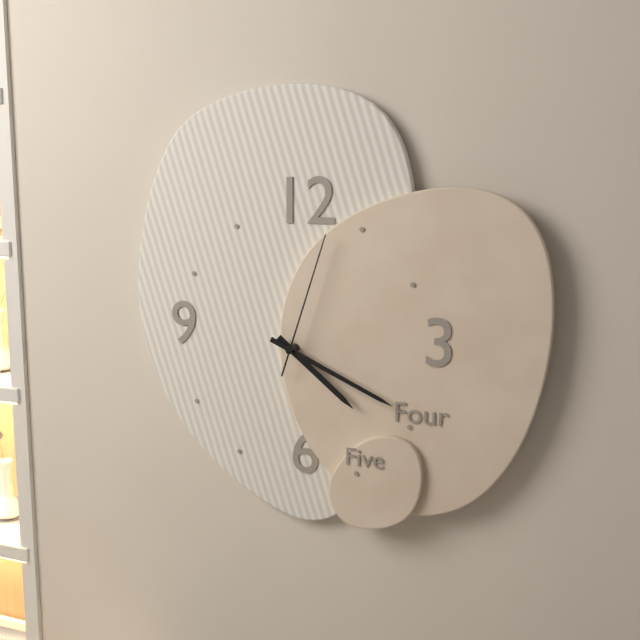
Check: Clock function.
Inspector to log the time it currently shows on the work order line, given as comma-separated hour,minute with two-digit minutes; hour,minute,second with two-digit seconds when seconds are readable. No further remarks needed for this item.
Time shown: 4,19,03
